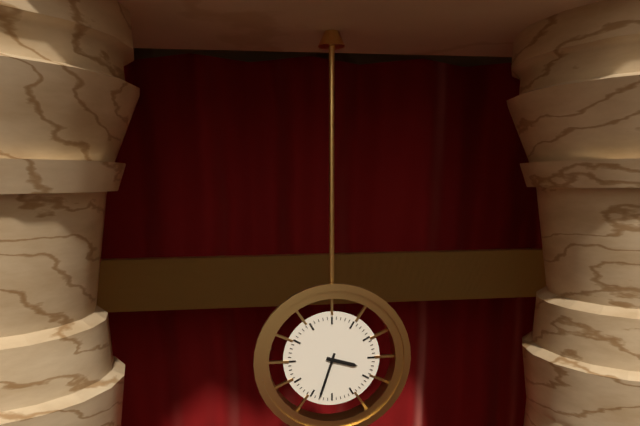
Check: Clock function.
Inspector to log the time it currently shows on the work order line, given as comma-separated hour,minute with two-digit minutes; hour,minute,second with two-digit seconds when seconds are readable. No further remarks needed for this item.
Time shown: 3,33
